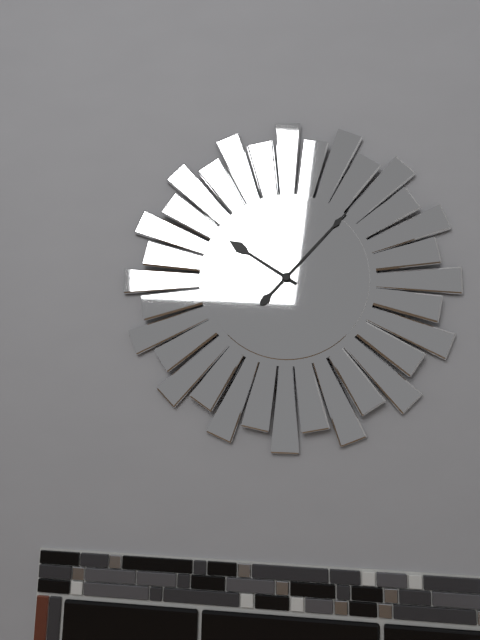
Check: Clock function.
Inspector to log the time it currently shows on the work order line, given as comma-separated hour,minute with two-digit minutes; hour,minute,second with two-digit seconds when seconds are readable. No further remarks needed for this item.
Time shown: 10,07
